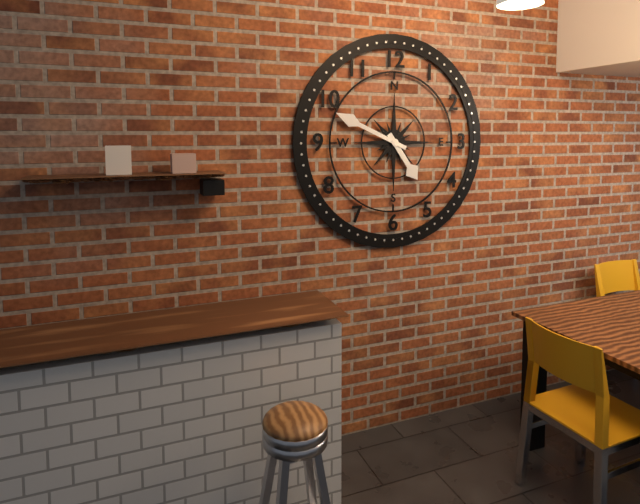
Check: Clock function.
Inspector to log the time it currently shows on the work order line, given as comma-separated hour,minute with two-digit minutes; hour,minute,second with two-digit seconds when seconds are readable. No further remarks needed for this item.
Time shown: 4,49
